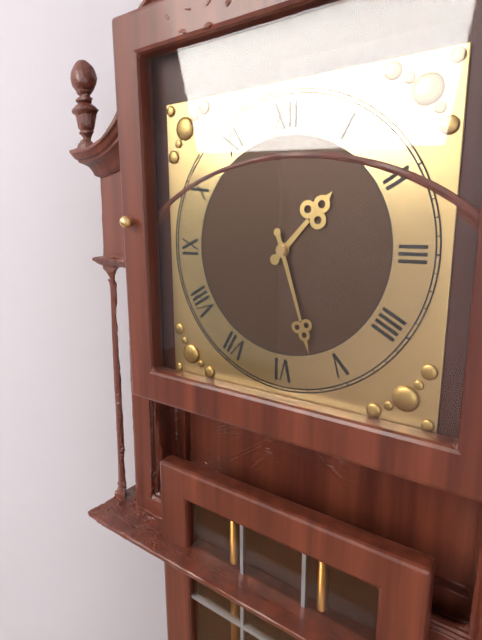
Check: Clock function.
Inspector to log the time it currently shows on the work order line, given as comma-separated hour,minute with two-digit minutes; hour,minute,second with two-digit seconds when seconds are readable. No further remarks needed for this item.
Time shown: 1,27
